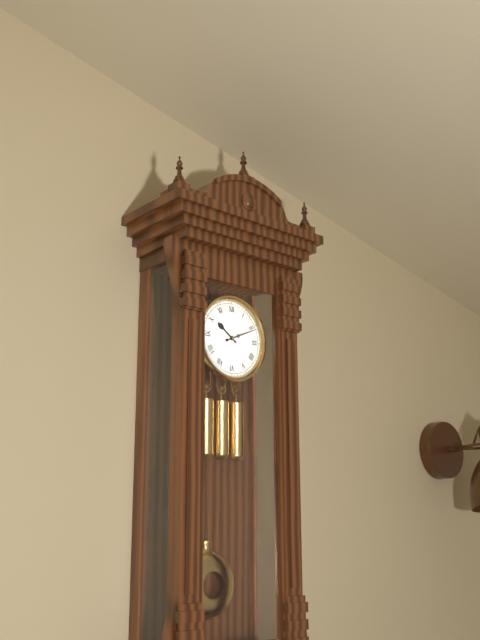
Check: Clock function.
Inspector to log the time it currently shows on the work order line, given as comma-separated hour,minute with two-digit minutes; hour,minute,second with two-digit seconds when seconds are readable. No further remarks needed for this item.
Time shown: 10,11
